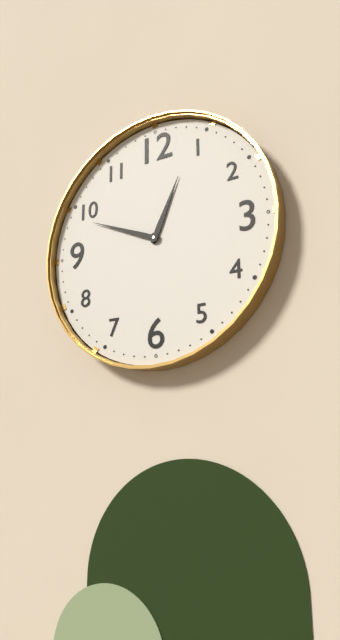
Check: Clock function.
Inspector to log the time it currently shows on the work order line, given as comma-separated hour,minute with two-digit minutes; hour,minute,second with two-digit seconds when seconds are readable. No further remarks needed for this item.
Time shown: 12,49
